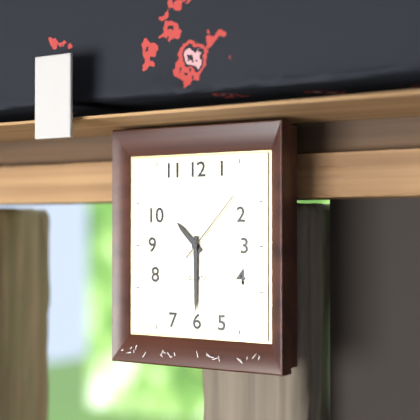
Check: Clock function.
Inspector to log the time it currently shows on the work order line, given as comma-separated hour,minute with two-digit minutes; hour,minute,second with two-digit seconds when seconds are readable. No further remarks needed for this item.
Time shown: 10,30,07
